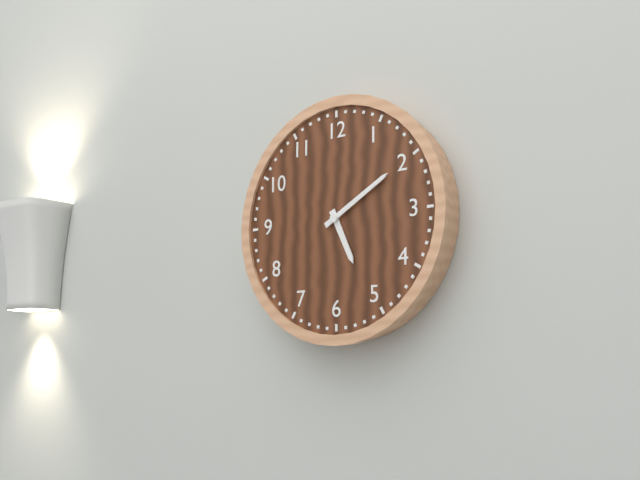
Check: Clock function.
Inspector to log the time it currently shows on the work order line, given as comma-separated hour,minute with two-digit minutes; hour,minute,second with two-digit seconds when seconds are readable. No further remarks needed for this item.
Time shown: 5,10
